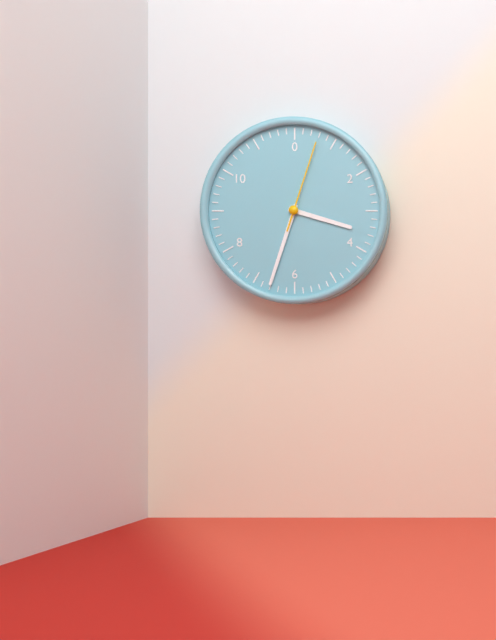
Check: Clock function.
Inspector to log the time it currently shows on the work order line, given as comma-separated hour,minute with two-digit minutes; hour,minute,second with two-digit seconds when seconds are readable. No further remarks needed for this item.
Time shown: 3,33,03
